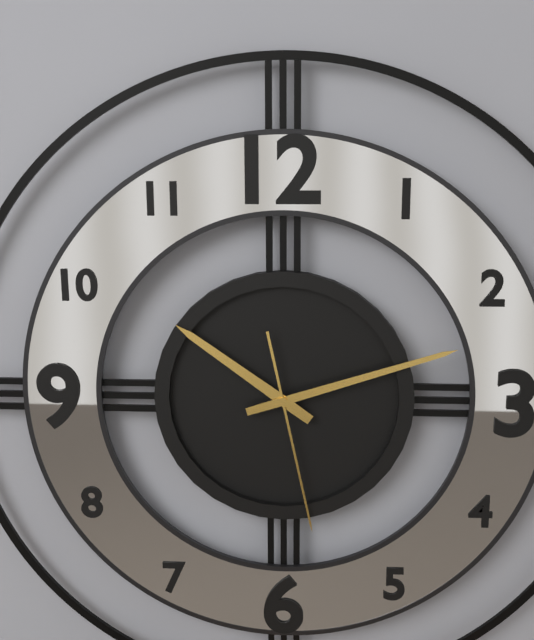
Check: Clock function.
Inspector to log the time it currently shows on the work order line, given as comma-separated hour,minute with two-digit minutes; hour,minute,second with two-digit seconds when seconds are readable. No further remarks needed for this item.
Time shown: 10,12,28
